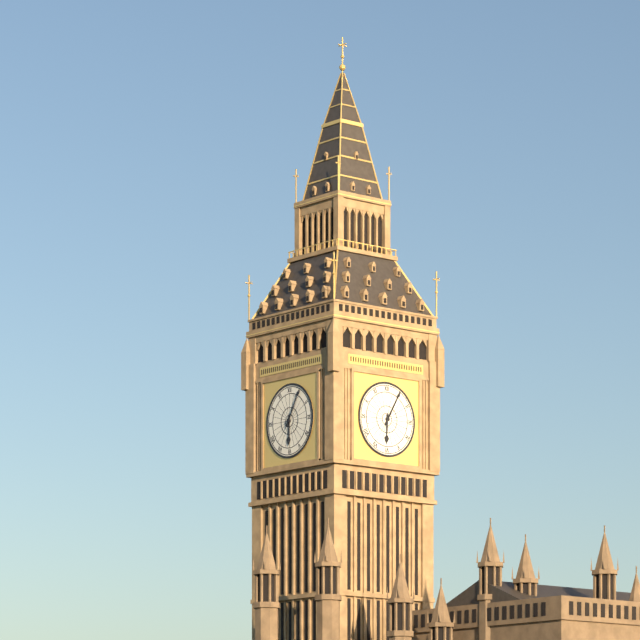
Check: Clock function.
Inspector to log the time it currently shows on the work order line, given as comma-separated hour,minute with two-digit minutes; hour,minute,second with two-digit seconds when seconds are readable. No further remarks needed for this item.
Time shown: 6,05
